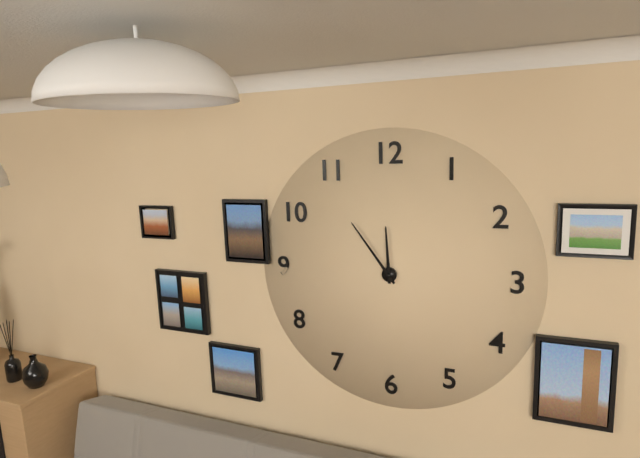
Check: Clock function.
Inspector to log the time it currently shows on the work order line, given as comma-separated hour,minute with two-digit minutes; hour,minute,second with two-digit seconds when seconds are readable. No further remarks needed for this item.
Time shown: 11,54
